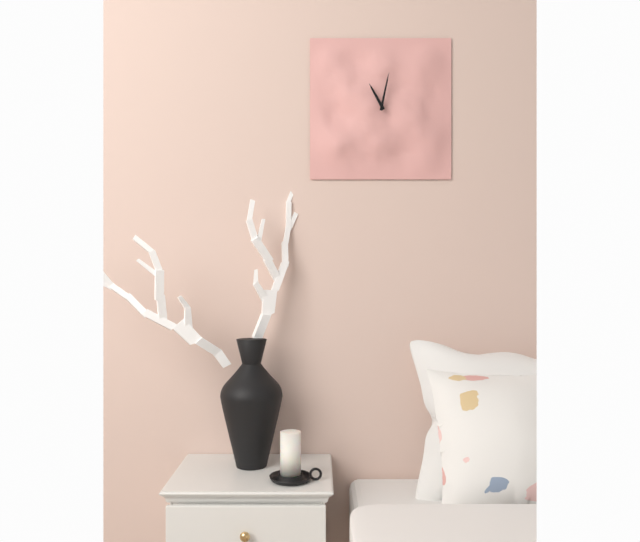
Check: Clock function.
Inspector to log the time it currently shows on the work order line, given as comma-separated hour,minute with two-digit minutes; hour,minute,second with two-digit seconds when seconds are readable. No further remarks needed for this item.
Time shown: 11,02
